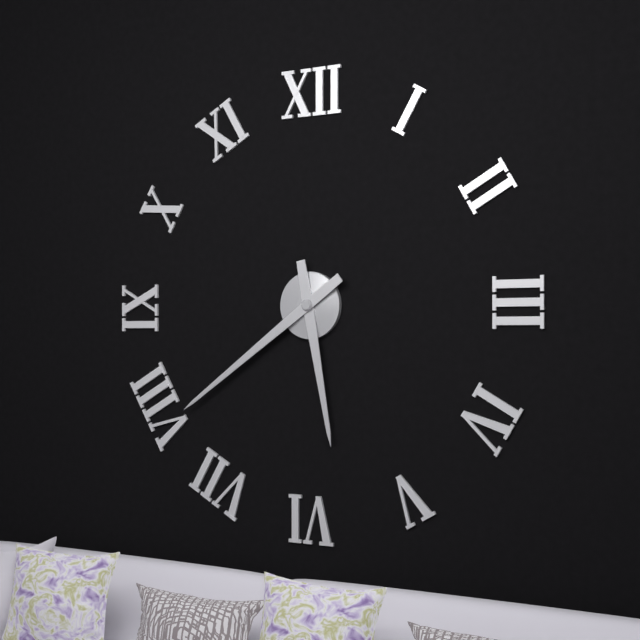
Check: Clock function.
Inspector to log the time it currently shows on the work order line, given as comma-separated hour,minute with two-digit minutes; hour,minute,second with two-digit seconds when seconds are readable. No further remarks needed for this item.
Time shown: 5,39
